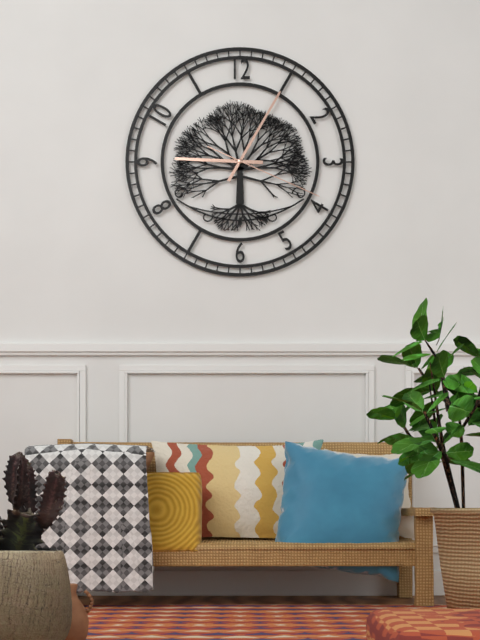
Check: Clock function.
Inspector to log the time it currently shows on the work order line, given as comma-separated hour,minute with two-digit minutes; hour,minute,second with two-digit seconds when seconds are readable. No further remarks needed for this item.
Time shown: 9,05,19
